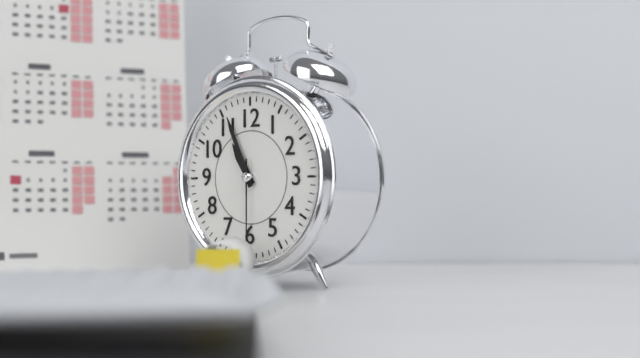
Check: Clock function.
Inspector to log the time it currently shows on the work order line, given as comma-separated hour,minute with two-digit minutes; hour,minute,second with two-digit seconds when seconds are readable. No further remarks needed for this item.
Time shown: 10,56,30
